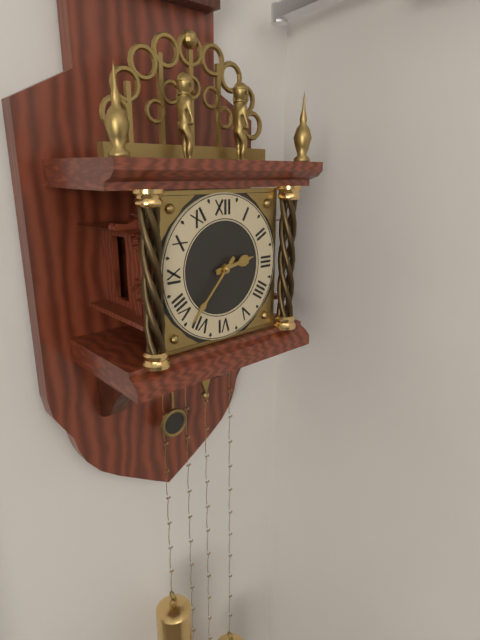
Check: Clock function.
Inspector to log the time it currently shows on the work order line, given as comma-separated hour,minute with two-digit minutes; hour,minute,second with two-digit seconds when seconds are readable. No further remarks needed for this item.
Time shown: 2,37
